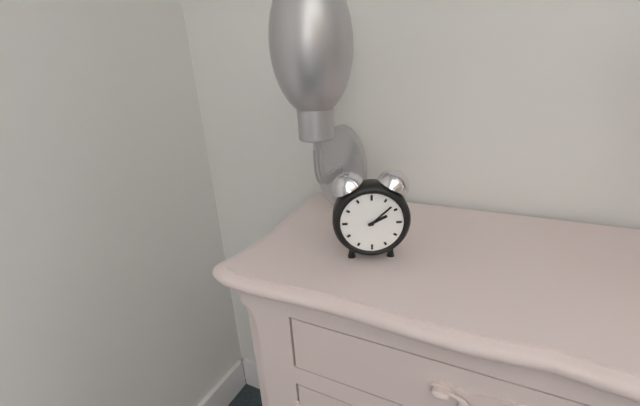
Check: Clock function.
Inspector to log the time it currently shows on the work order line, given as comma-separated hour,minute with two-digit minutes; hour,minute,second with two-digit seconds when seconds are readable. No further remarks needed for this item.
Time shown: 2,08
